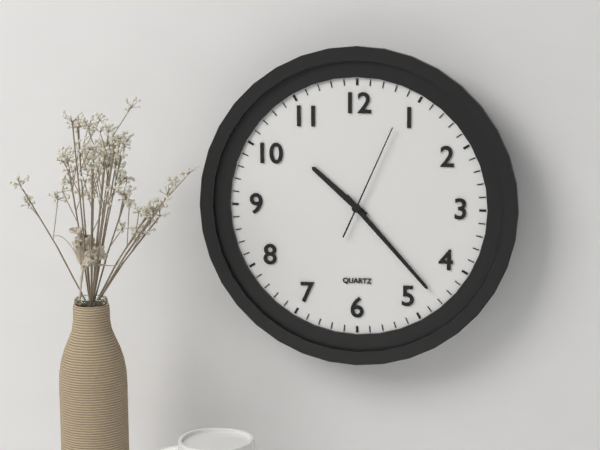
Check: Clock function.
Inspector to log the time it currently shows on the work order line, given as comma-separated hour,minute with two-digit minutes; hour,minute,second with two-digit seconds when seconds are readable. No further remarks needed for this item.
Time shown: 10,23,04
